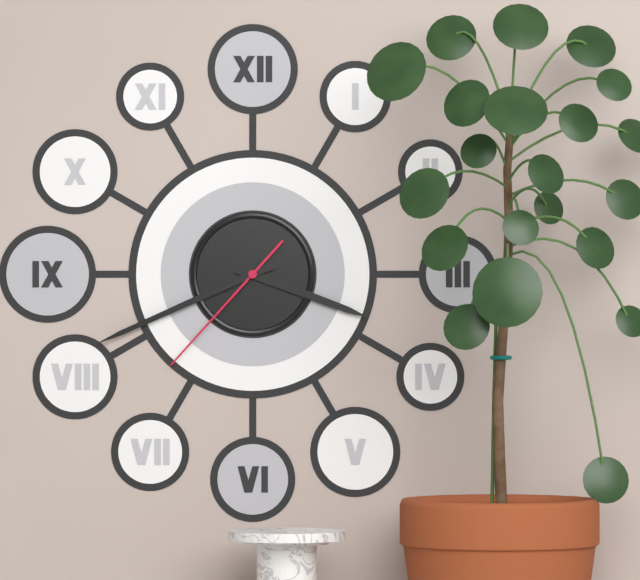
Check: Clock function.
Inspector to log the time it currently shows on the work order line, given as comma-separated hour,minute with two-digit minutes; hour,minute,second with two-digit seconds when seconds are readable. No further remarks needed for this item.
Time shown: 3,41,37
